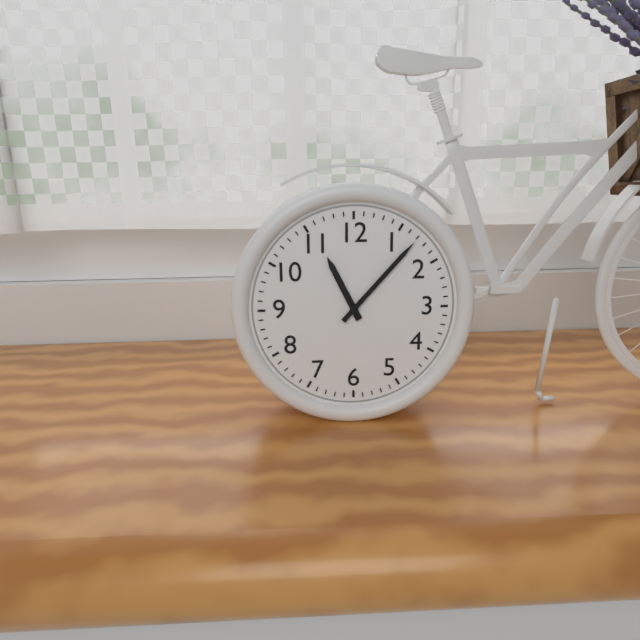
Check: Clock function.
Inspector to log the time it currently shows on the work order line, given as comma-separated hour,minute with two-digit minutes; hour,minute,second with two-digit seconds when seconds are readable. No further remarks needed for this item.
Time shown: 11,07
